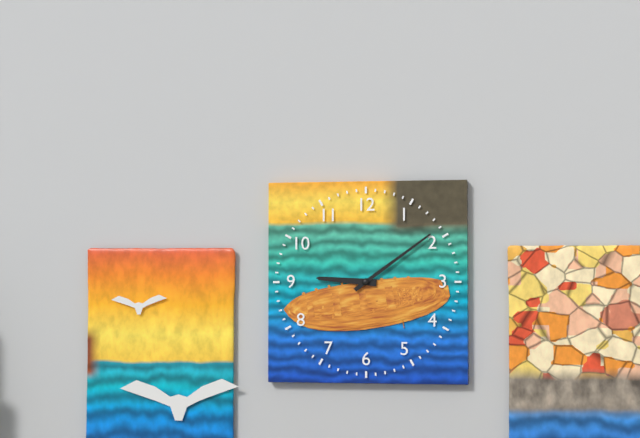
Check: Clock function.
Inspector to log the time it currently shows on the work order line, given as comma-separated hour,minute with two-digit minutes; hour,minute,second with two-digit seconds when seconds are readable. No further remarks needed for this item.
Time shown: 9,09
